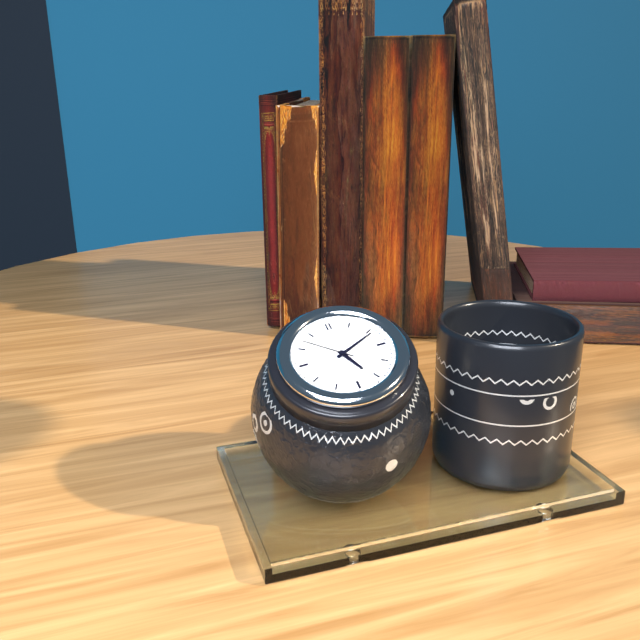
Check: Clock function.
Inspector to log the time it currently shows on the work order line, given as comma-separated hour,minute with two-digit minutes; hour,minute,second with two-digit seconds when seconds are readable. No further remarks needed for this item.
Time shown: 5,11,52
